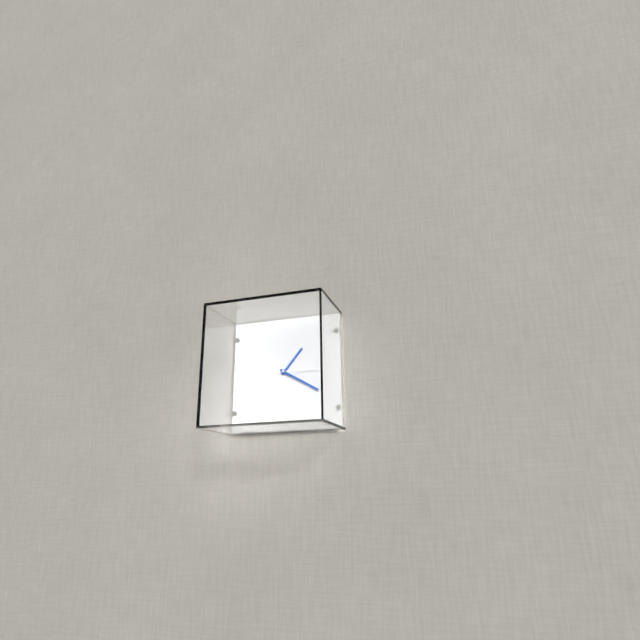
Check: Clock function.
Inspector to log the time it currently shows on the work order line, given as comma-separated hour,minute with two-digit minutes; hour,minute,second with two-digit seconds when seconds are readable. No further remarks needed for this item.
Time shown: 1,20,15
